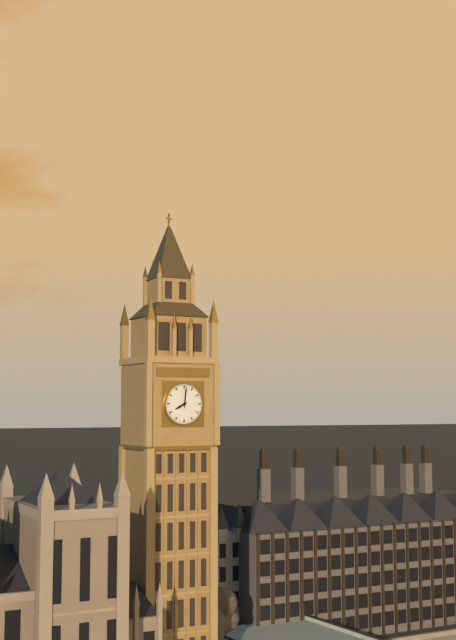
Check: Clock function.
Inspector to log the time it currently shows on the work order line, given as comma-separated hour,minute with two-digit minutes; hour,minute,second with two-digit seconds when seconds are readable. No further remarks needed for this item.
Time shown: 8,01
